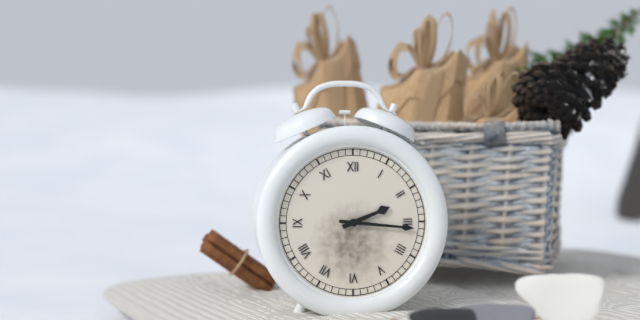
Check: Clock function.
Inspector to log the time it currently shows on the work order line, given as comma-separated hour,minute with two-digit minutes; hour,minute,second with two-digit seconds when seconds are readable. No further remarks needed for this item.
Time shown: 2,16
